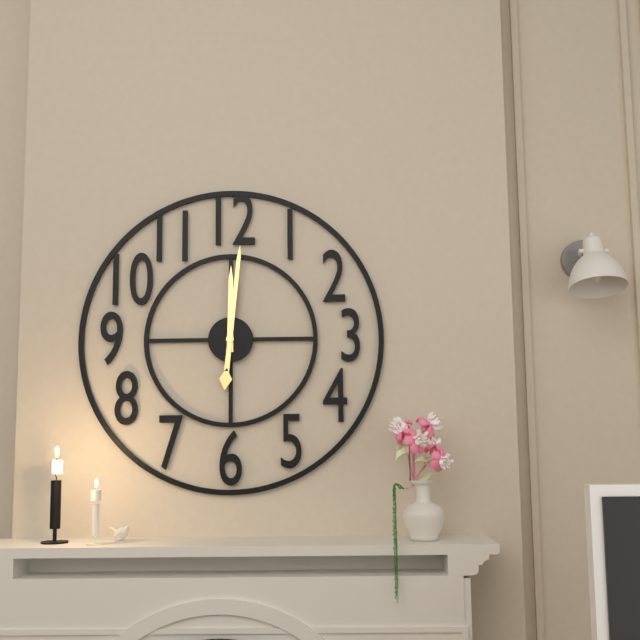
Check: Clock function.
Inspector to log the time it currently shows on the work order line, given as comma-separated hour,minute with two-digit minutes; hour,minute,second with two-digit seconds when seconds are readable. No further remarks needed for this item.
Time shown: 12,01
